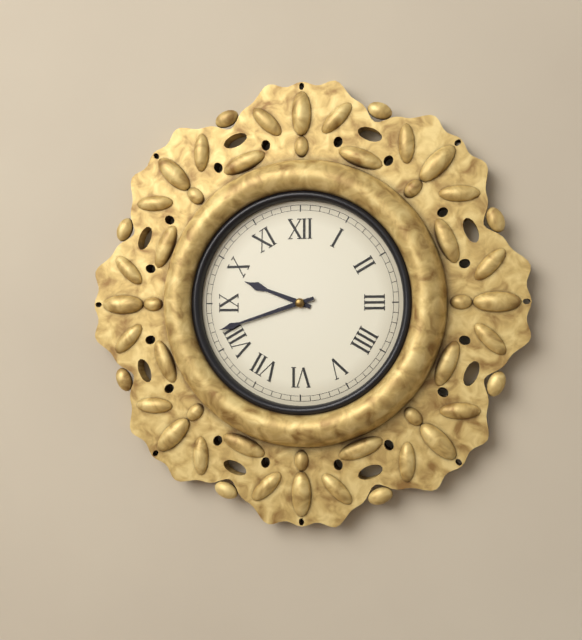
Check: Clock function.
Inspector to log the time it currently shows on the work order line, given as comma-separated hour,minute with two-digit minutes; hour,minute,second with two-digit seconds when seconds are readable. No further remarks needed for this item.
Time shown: 9,42
